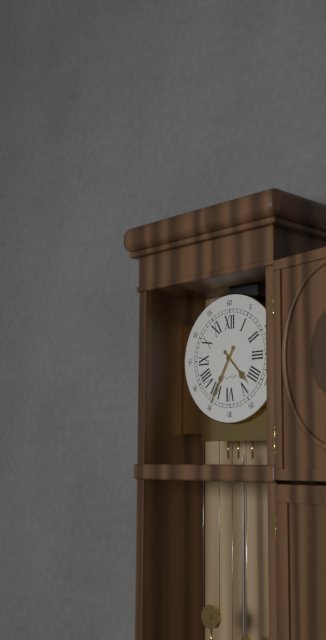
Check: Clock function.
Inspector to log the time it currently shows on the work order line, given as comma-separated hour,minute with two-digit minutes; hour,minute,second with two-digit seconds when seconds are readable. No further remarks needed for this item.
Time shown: 4,35
